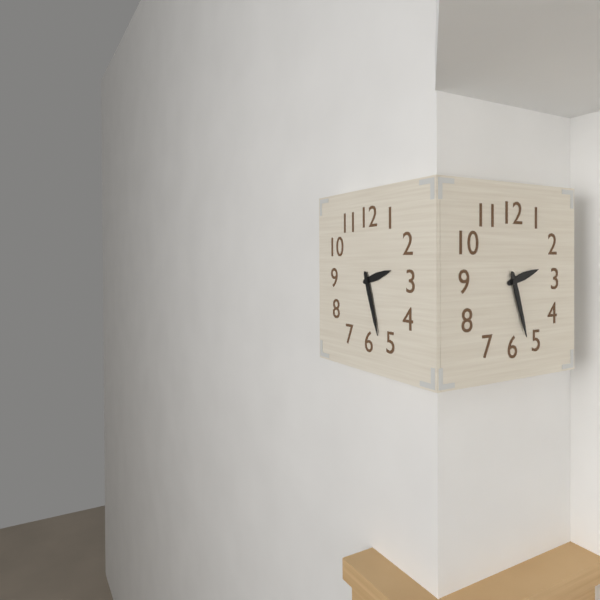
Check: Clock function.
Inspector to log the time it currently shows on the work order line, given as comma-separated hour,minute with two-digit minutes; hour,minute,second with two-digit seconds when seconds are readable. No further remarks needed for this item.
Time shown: 2,27
